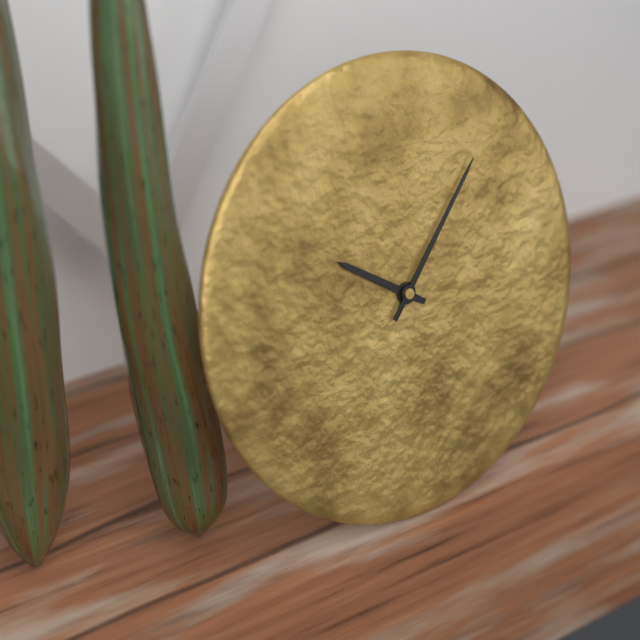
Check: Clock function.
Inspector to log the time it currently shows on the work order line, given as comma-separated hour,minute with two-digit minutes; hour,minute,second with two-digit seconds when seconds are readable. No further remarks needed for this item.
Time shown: 10,07
